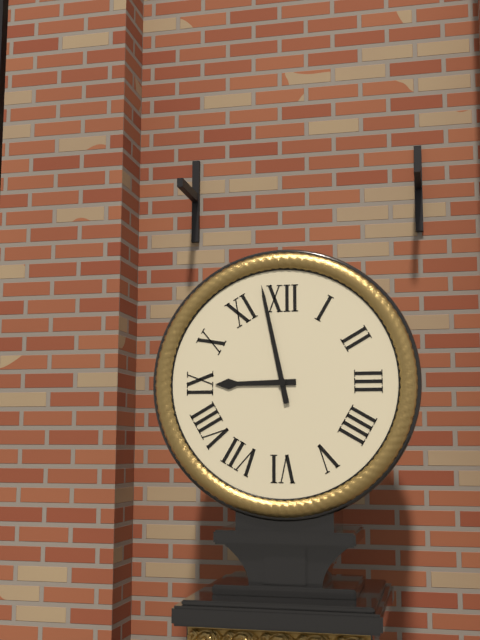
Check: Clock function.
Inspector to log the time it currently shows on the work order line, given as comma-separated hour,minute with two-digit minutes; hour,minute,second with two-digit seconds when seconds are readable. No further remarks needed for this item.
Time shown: 8,58
